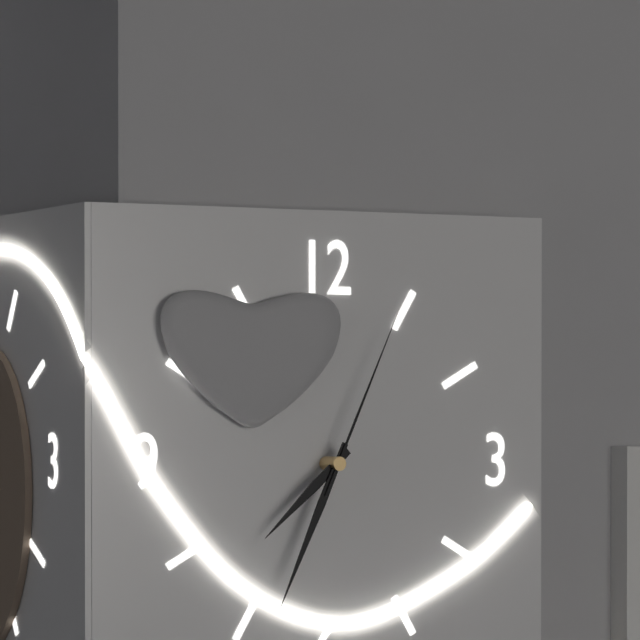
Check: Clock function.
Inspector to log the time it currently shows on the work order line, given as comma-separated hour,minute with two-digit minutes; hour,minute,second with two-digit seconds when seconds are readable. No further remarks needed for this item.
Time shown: 7,34,04
